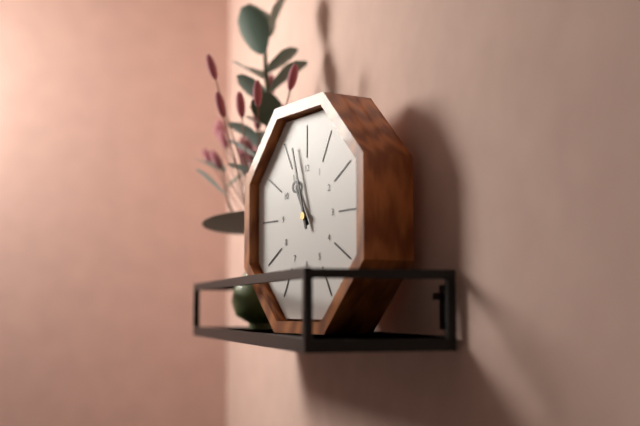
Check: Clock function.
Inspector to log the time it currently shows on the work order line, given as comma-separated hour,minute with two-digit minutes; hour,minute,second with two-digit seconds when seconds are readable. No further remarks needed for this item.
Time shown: 10,57
